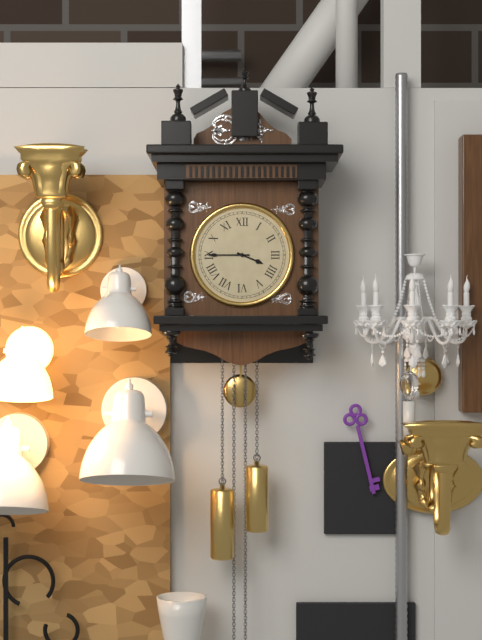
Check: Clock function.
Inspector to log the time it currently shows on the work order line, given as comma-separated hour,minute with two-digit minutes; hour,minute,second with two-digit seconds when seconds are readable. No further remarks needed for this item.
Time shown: 3,45
